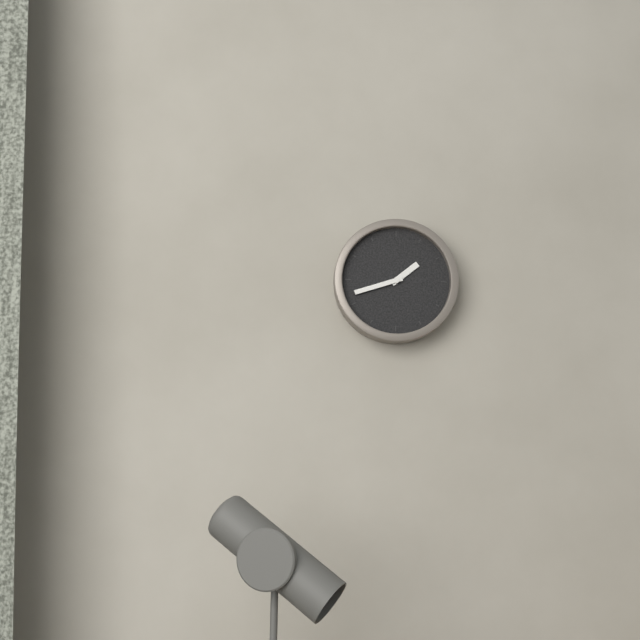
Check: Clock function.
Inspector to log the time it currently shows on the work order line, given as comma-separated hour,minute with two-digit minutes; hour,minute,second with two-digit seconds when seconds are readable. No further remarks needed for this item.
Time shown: 1,42
